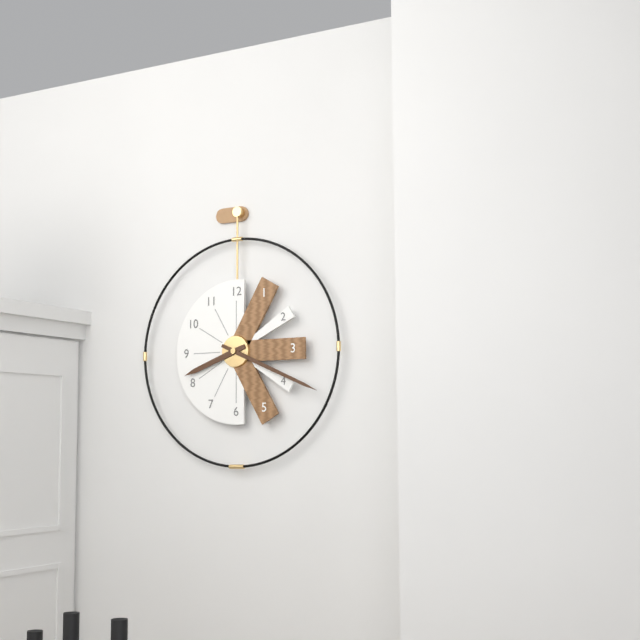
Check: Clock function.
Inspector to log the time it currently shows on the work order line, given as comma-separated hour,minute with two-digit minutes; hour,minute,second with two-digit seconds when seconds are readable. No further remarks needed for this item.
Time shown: 8,19
